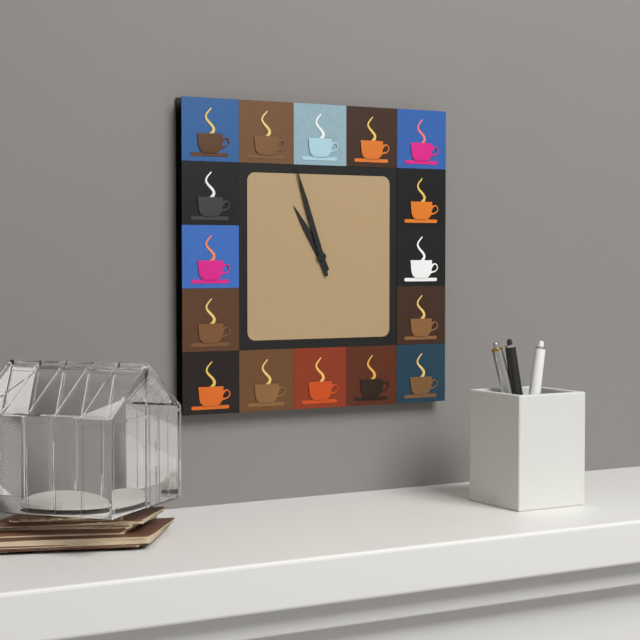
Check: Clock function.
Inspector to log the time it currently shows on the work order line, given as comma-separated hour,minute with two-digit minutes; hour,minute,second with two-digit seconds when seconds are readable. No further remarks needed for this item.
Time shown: 10,57
